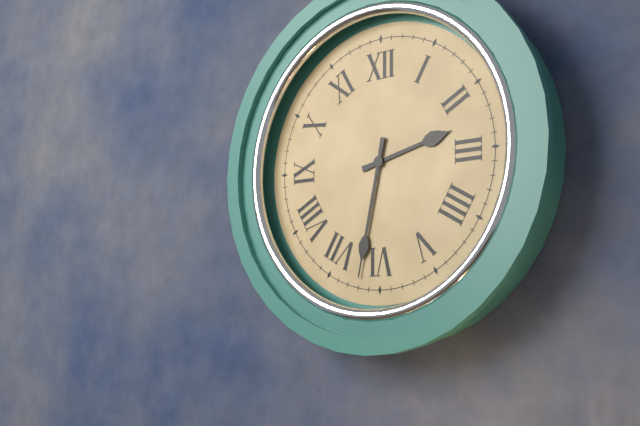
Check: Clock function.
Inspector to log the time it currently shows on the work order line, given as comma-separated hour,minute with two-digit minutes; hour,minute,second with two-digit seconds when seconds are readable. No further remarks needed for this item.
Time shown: 2,32
